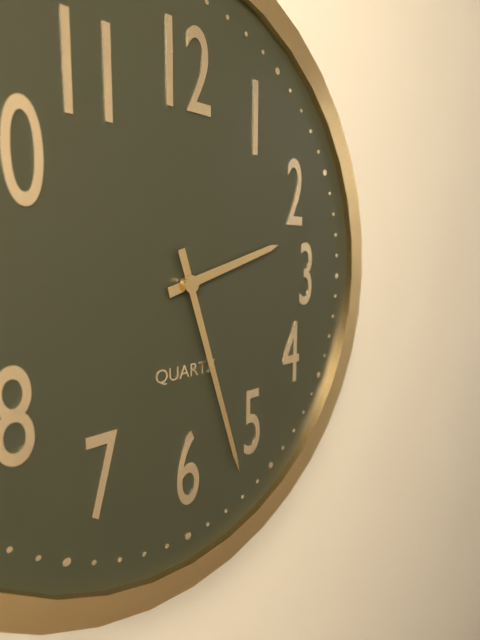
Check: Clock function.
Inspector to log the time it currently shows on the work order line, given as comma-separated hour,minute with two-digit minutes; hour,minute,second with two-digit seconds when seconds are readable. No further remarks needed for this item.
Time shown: 2,27
